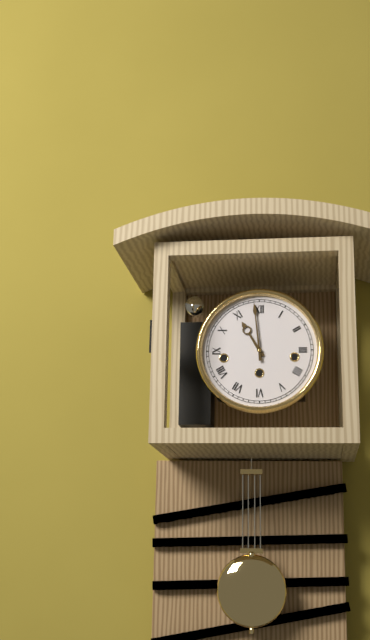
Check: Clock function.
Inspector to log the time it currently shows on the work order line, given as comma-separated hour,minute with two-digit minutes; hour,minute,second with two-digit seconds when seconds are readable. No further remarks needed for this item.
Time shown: 10,59
